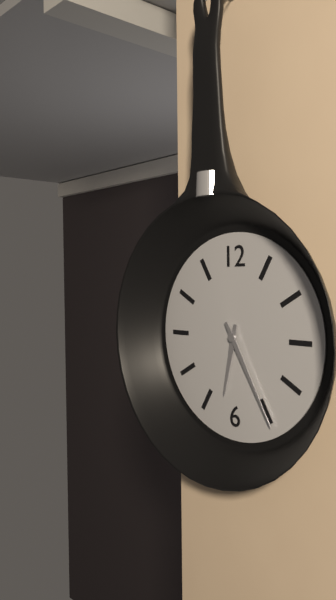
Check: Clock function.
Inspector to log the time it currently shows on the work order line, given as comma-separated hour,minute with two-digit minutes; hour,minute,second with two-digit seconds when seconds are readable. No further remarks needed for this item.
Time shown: 6,25
